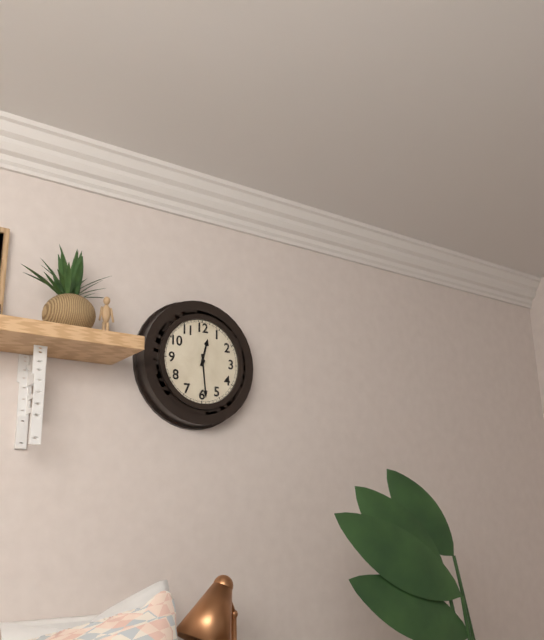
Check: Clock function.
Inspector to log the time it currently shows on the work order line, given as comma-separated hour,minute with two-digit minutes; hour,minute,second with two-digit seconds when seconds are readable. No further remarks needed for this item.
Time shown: 12,29
